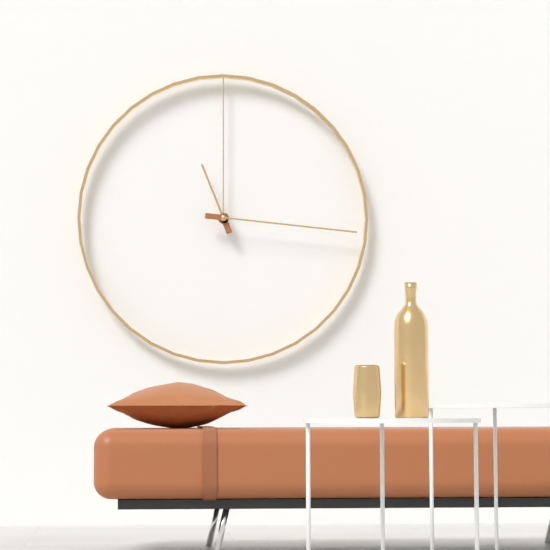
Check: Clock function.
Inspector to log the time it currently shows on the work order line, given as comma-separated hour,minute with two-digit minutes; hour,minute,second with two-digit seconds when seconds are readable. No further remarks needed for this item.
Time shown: 11,16
